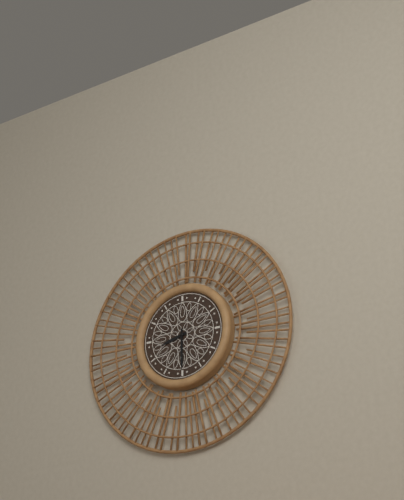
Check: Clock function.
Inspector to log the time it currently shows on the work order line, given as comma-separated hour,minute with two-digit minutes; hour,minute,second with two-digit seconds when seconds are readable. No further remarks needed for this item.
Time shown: 8,30
